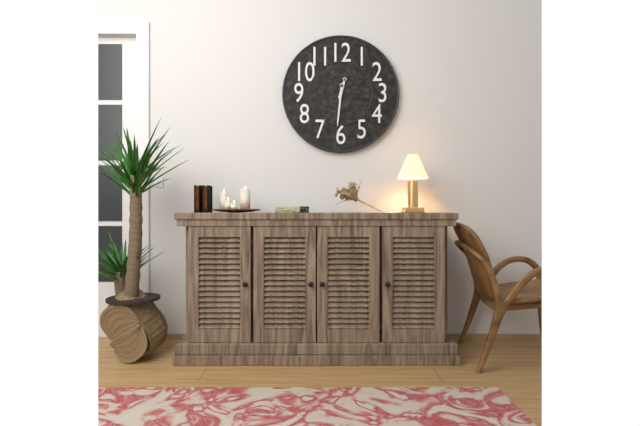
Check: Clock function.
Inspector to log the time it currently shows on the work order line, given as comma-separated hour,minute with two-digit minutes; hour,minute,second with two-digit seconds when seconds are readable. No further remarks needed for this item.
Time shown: 12,31
